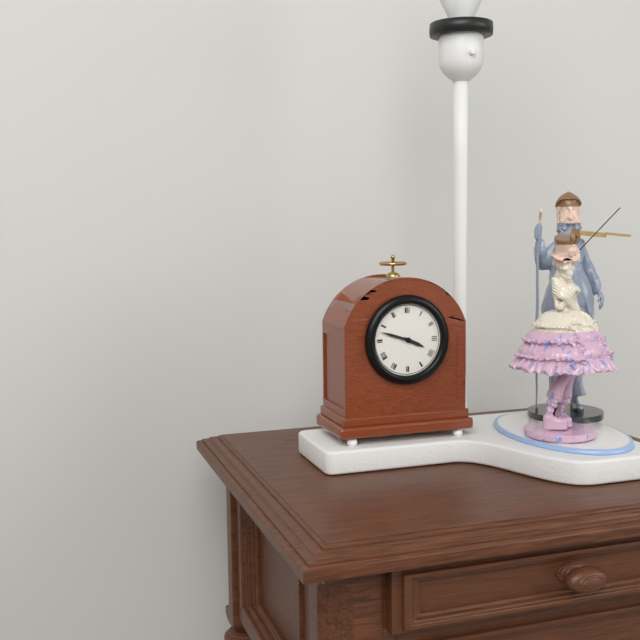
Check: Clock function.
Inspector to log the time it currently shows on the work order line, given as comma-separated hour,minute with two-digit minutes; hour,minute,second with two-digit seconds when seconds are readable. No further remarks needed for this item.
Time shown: 3,48
